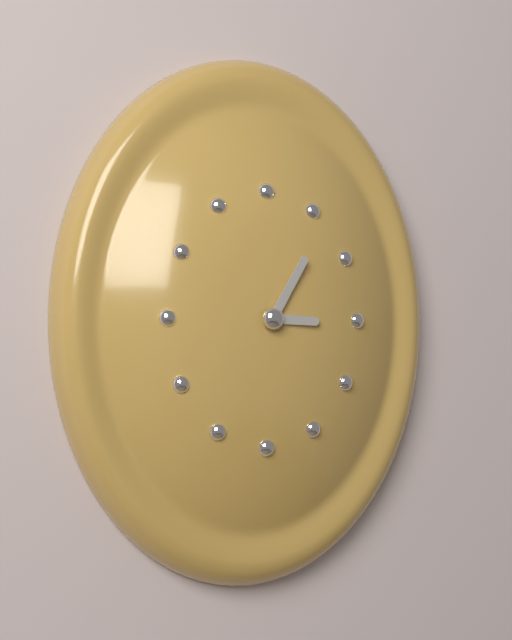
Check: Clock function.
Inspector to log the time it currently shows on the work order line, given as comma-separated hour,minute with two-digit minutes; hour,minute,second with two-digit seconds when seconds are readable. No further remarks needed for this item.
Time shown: 3,05
